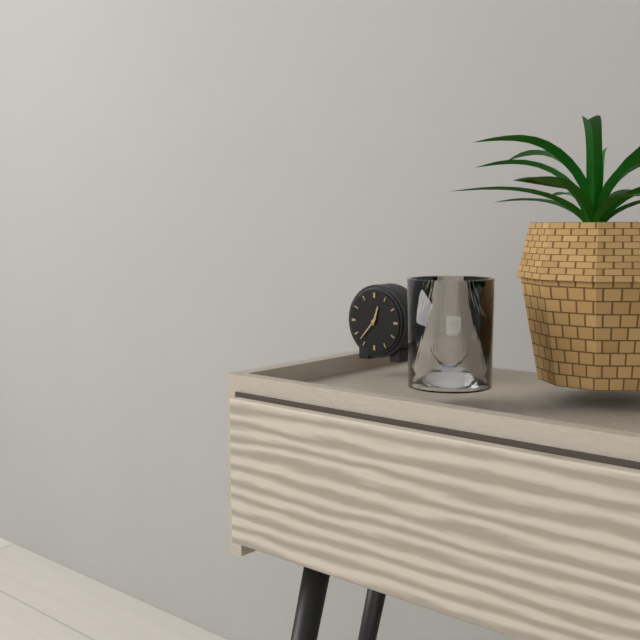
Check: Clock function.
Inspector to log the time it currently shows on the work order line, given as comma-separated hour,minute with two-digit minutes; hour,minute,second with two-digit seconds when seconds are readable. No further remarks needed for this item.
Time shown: 12,37
